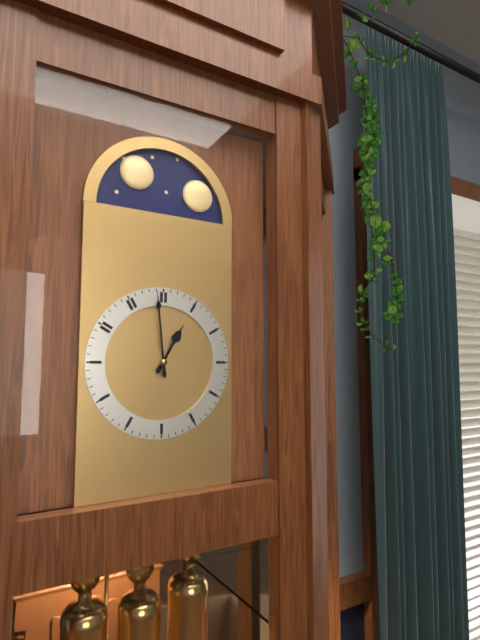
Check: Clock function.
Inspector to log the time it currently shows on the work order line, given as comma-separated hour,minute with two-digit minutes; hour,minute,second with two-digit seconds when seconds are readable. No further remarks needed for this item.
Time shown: 12,59
